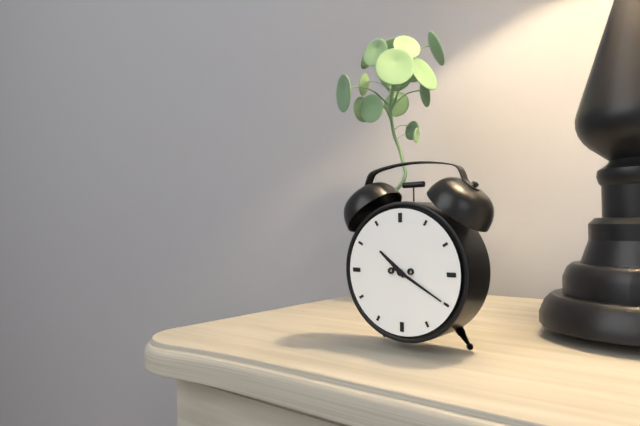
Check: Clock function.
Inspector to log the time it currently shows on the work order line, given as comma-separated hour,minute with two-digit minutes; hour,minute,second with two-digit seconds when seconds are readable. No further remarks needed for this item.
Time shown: 10,20
